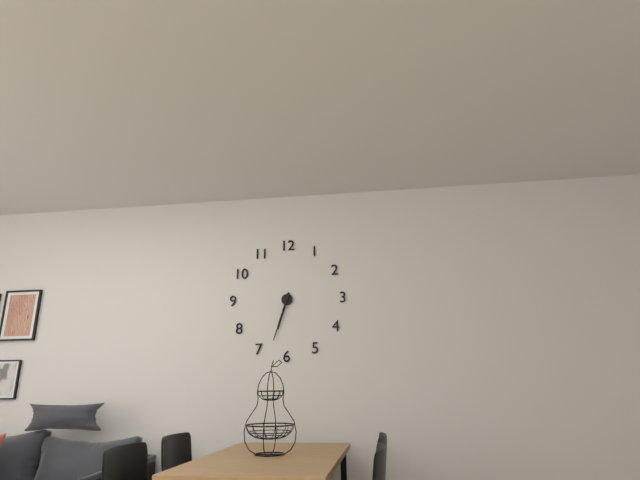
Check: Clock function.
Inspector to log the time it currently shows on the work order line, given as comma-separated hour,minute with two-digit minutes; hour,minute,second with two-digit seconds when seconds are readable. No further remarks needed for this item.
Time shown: 6,33
